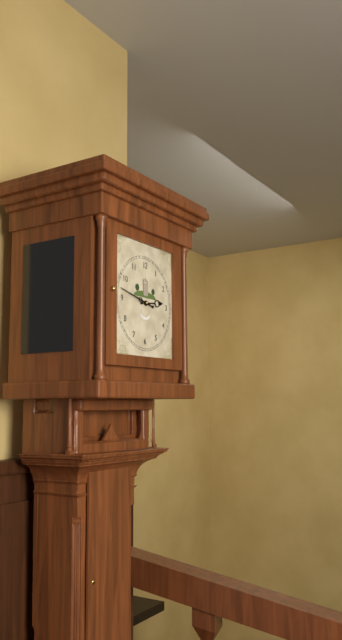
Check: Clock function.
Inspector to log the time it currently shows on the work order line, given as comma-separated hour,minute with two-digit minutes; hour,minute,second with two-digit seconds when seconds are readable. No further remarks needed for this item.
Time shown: 2,47
